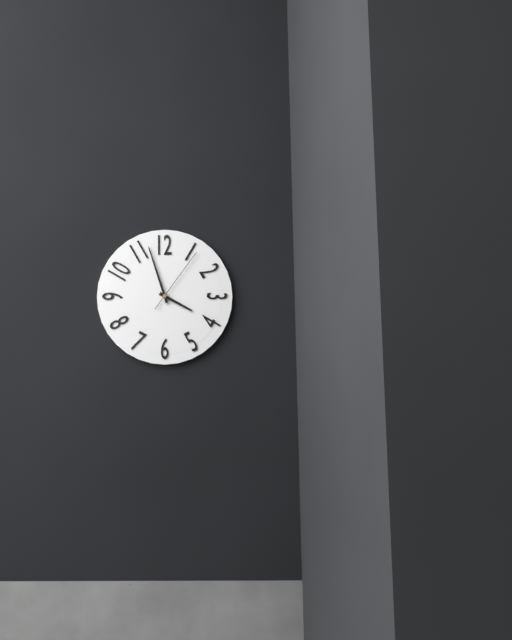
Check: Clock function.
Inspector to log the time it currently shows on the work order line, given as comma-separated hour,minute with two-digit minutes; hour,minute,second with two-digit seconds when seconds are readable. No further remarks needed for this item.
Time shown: 3,57,06
